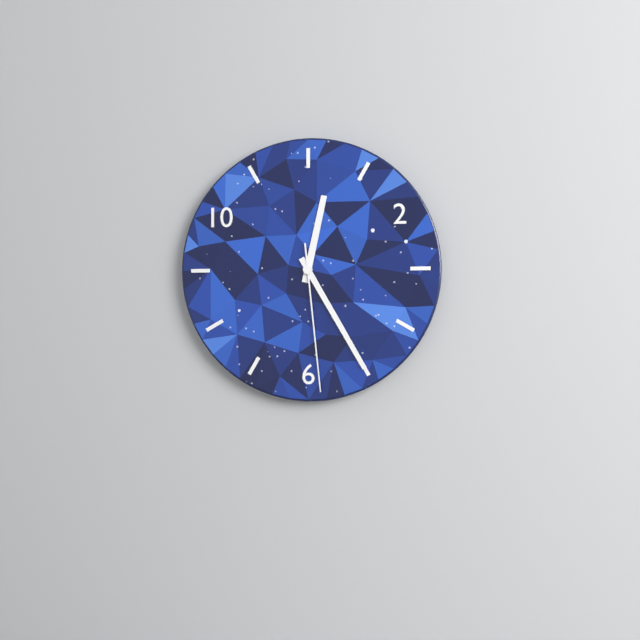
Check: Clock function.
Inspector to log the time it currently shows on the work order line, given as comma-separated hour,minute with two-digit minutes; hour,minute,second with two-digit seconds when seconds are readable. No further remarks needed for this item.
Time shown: 12,25,29
